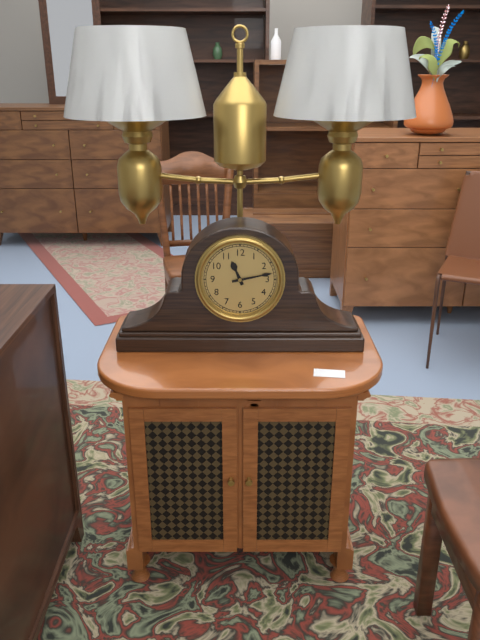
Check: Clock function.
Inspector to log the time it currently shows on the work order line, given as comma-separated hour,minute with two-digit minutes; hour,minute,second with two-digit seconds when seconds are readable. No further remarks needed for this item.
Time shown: 11,13
